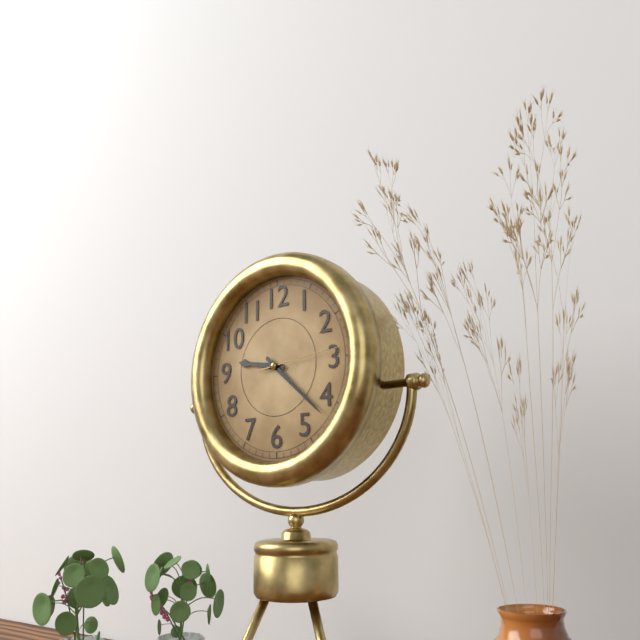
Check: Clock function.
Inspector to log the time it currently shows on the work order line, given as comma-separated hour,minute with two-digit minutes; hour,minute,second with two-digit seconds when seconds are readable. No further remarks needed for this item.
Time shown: 9,22,14
